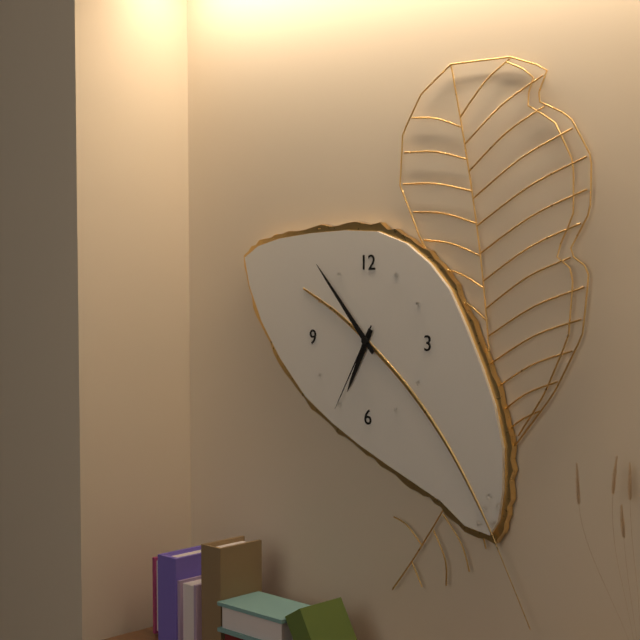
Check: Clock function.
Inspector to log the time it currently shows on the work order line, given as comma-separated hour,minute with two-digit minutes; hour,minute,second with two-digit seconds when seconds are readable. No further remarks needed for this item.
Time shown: 6,53,35
